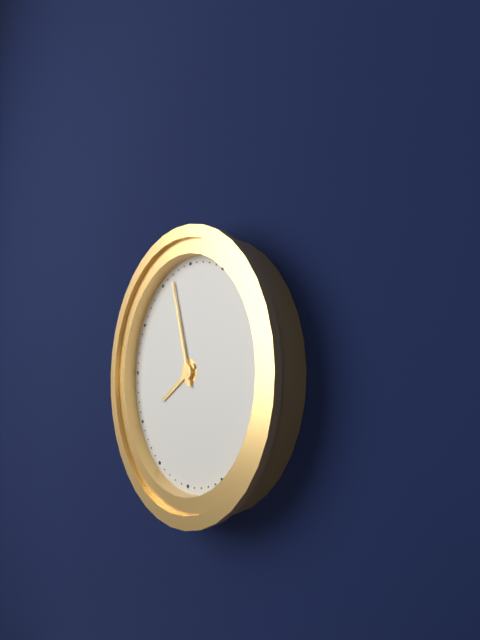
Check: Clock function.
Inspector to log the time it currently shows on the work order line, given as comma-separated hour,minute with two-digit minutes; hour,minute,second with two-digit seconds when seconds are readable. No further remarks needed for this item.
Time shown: 7,57
